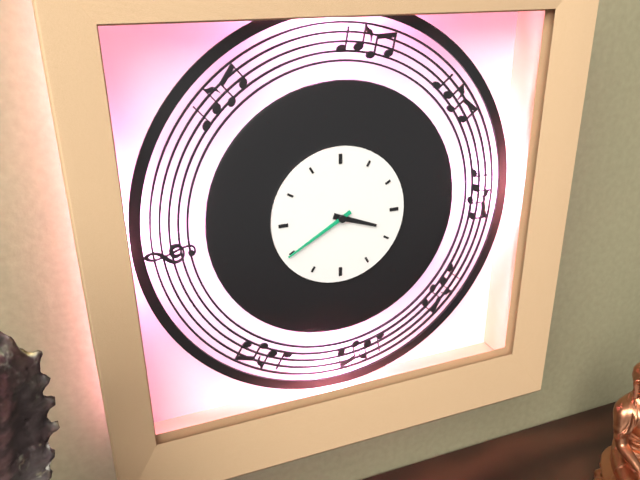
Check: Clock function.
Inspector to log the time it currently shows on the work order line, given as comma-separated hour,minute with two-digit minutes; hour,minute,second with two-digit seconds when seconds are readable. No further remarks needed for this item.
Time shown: 3,40
